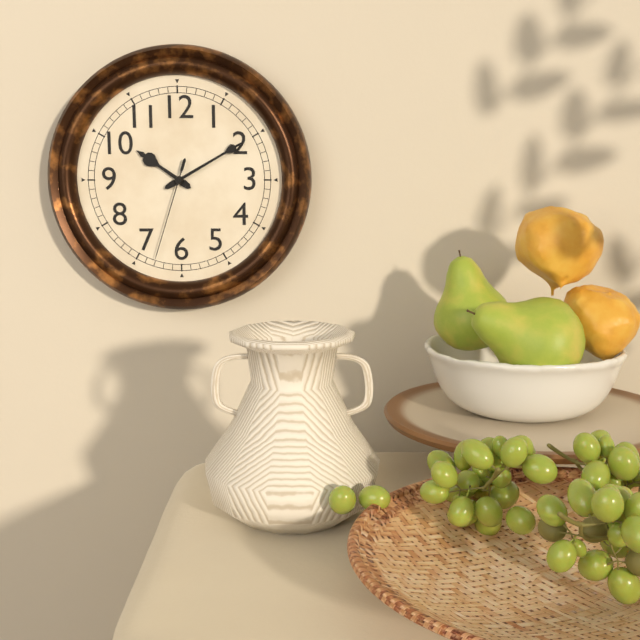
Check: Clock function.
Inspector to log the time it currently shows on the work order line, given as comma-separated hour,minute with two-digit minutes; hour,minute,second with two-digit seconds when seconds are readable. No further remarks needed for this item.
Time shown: 10,10,33
